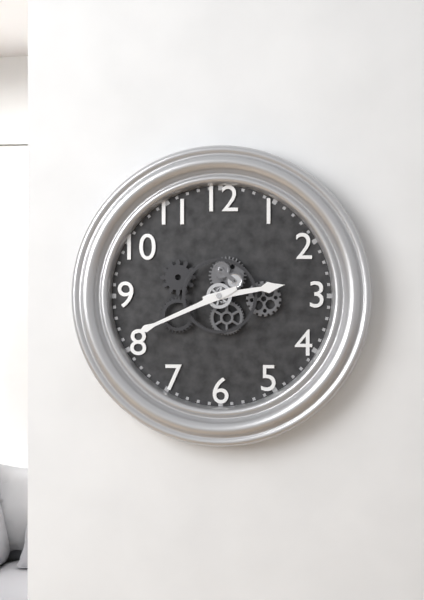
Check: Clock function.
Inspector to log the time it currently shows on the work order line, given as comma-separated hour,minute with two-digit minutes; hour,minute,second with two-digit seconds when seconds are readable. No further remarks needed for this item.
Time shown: 2,41
